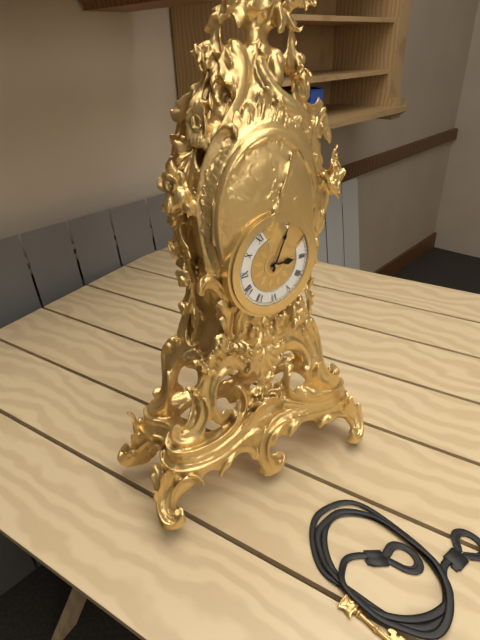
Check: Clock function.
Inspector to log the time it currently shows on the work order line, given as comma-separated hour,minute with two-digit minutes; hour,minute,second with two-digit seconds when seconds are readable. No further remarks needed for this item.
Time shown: 3,04
